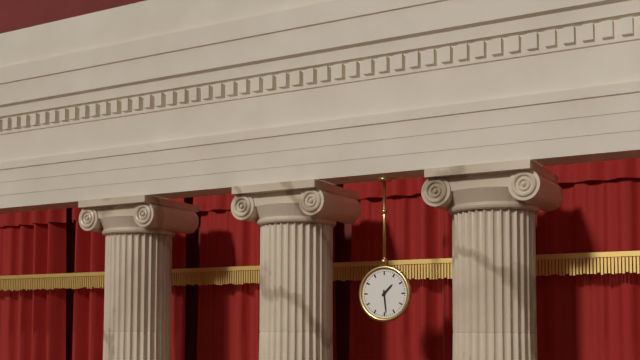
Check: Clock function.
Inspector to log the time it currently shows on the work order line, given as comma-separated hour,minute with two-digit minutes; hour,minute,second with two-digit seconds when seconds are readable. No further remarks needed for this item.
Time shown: 1,29
